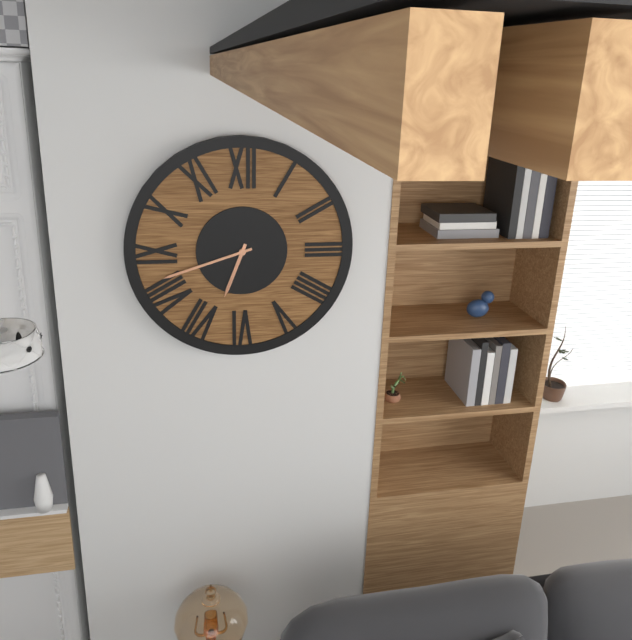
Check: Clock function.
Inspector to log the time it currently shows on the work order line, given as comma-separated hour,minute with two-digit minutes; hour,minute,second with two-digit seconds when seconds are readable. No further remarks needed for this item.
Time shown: 6,42
